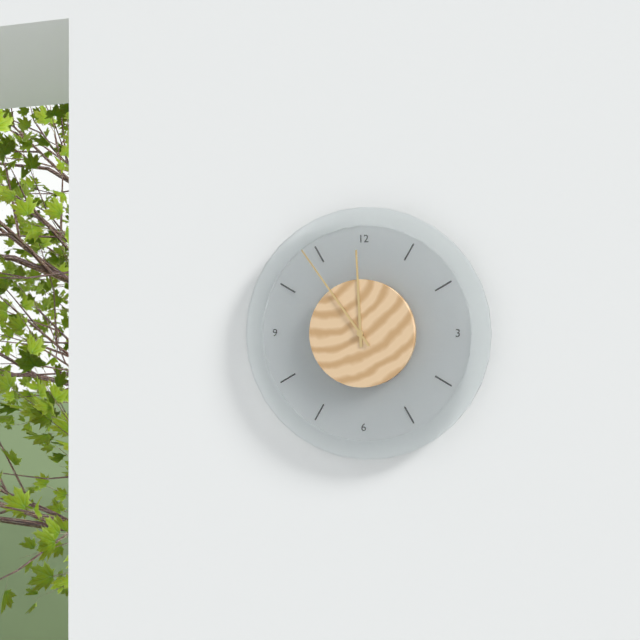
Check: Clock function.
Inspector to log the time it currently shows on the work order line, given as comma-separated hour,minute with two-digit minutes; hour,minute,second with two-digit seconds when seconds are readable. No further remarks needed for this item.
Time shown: 11,54
